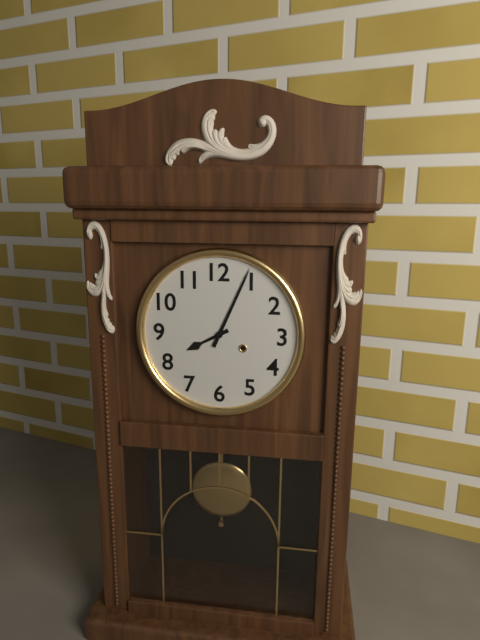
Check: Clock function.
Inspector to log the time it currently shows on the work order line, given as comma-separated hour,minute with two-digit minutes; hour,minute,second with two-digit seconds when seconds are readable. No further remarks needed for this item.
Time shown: 8,04
